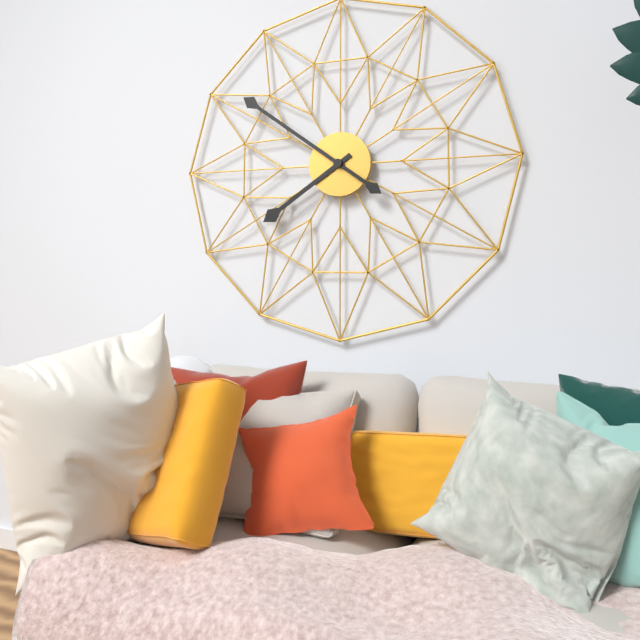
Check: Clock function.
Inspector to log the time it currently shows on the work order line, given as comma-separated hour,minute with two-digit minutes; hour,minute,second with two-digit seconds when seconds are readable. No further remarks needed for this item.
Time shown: 7,51
